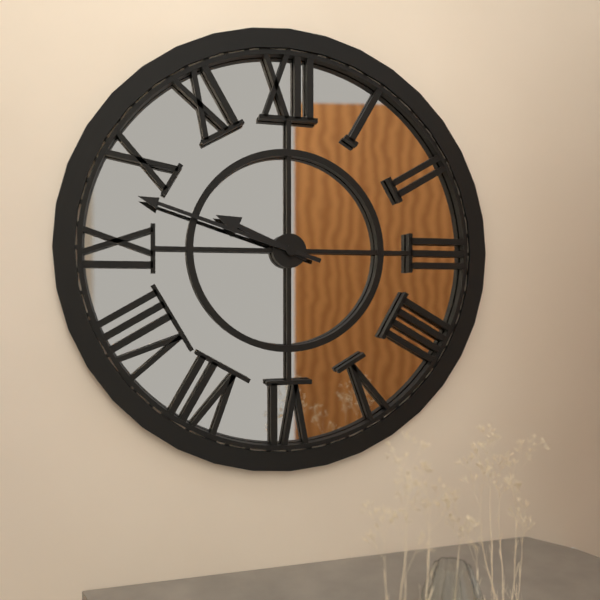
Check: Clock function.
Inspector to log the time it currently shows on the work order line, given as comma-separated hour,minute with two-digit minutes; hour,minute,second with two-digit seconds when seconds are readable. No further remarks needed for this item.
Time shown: 9,48
